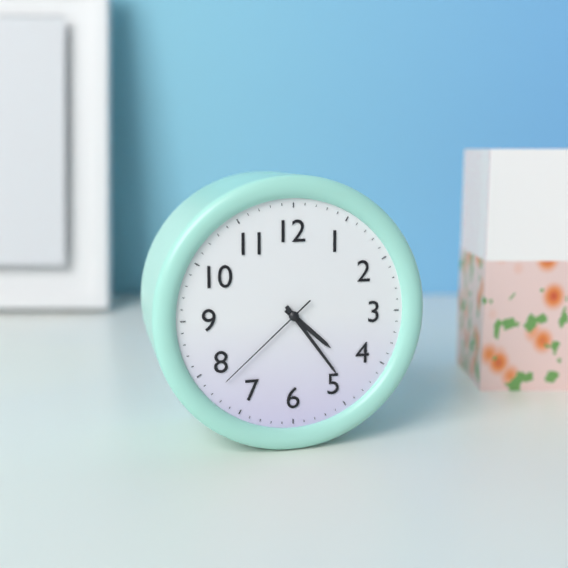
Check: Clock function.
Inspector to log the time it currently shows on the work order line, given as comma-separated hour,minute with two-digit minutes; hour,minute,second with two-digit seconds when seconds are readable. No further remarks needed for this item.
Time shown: 4,24,38
